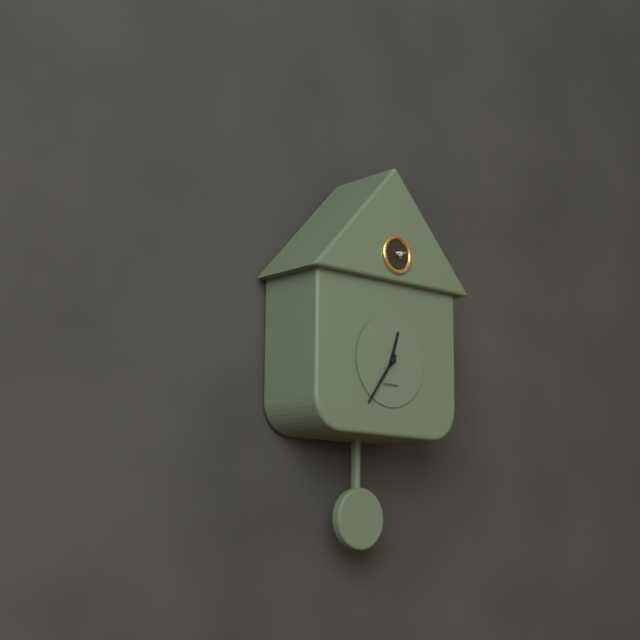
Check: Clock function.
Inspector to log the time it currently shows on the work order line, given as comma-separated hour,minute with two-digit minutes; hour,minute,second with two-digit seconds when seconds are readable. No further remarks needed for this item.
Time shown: 12,36
